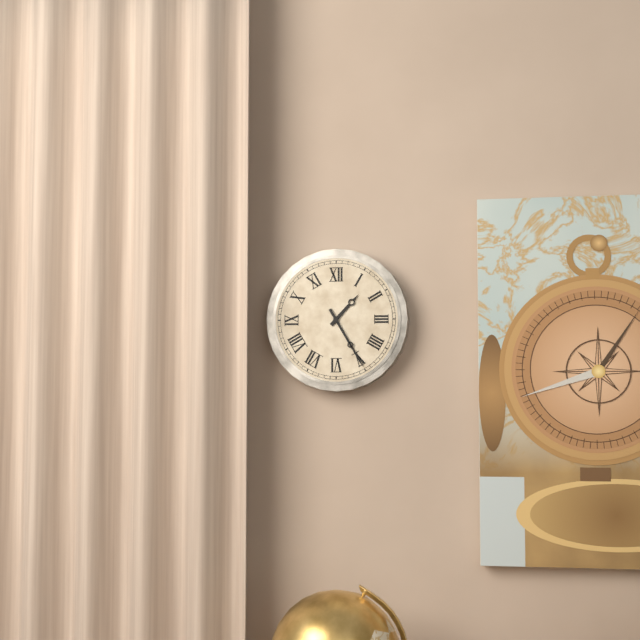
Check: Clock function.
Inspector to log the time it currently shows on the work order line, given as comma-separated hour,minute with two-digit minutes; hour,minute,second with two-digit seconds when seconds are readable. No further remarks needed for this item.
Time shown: 1,25
